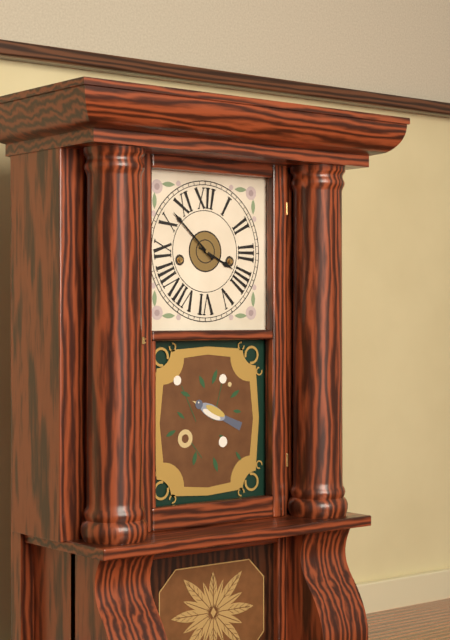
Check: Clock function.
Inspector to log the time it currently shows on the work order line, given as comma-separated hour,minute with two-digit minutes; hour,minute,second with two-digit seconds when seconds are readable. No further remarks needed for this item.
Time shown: 3,52
